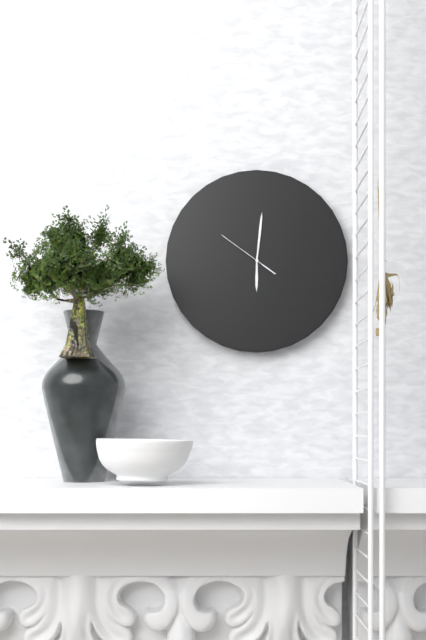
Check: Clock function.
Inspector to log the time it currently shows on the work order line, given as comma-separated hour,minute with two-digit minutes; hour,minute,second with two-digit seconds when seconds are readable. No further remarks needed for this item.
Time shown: 6,01,51
